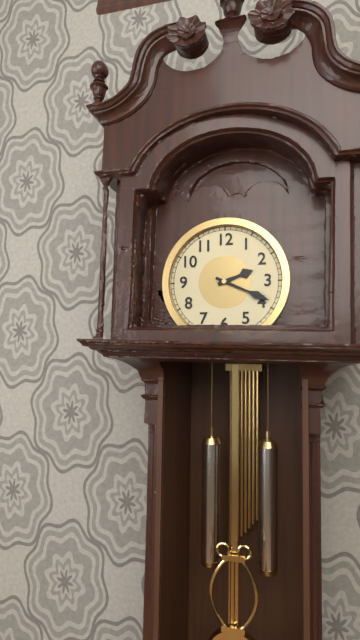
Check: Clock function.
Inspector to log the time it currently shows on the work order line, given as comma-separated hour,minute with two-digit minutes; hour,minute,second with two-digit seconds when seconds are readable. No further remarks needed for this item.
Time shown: 2,19
